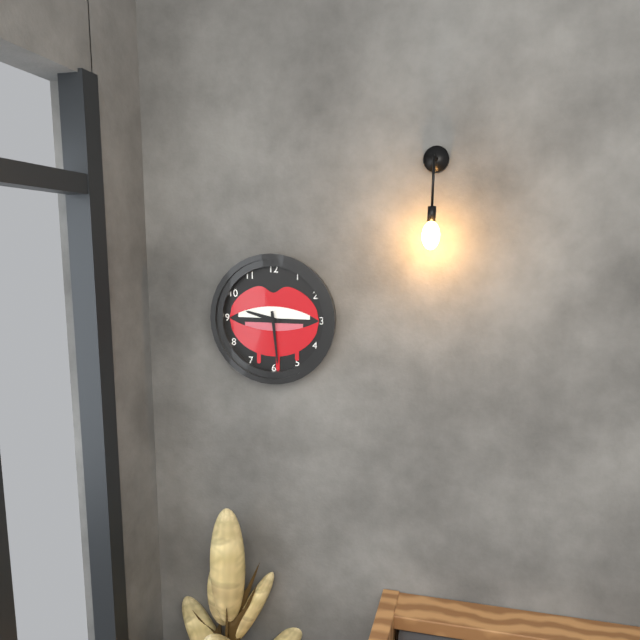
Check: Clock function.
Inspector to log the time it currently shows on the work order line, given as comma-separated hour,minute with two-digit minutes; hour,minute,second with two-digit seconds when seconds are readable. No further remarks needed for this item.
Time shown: 9,29
